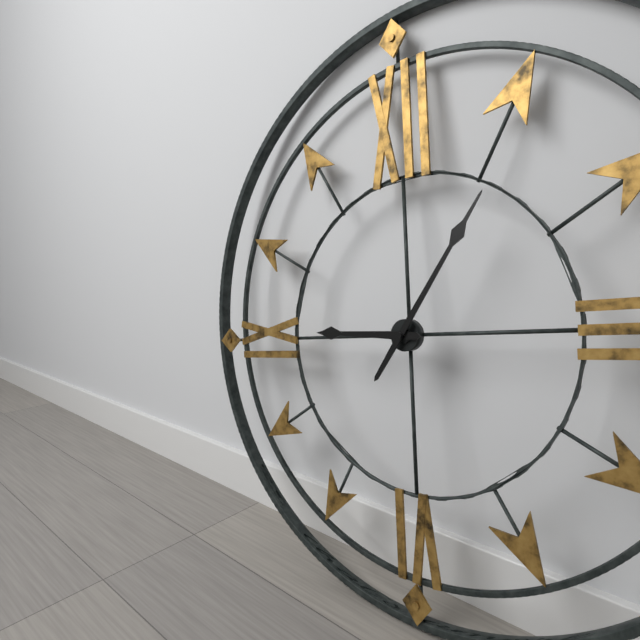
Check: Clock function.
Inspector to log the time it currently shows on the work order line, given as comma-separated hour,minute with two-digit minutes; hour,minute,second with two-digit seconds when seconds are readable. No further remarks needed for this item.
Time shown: 9,06
